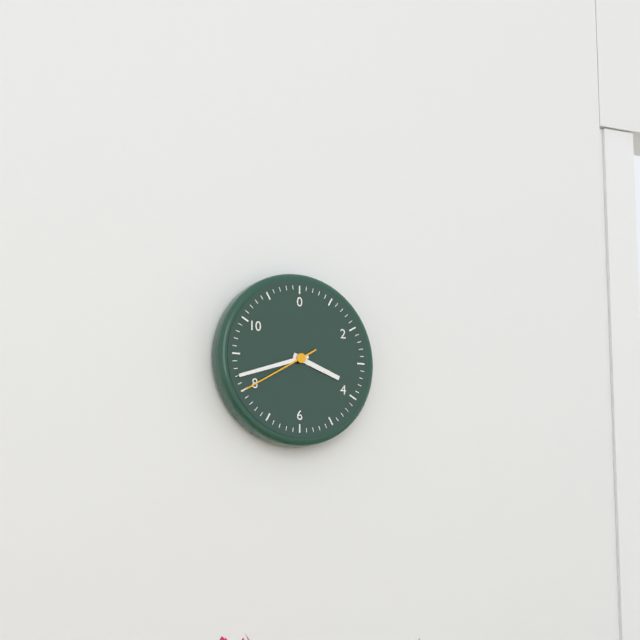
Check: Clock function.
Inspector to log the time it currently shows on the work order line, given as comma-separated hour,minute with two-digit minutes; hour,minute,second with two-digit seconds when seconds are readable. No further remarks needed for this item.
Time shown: 3,42,40
